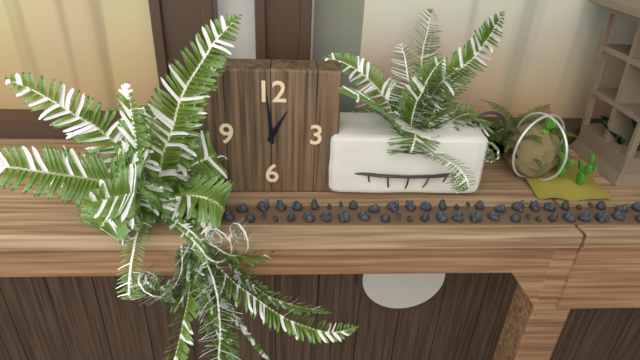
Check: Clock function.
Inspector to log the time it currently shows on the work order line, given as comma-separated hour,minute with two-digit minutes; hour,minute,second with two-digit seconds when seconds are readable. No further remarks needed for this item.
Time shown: 12,59
